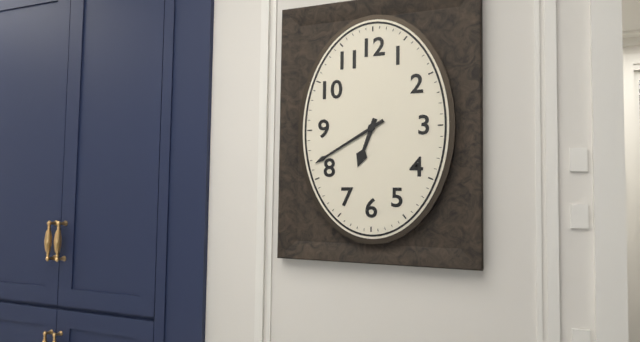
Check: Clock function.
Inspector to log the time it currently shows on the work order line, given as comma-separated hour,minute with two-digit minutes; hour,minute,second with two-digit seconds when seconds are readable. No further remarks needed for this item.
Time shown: 6,40
